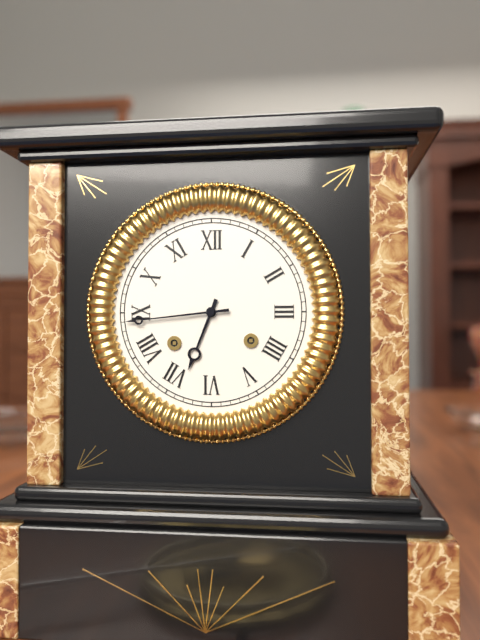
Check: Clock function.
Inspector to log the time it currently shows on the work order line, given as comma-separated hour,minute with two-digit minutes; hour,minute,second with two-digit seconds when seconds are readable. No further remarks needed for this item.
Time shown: 6,44
